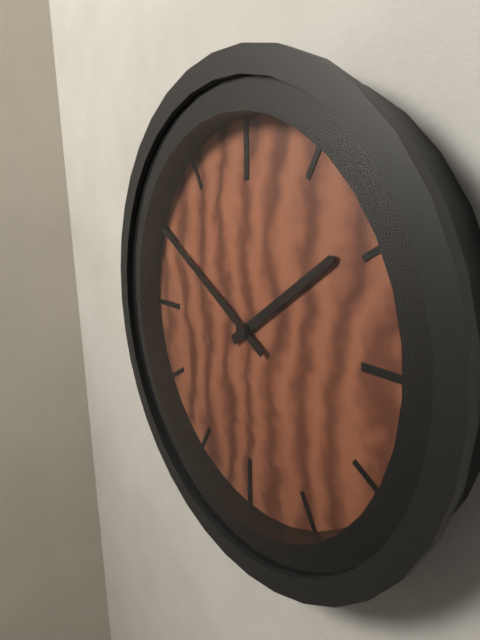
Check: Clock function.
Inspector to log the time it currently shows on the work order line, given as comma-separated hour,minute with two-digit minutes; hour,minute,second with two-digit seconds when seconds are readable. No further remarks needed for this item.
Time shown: 1,50
